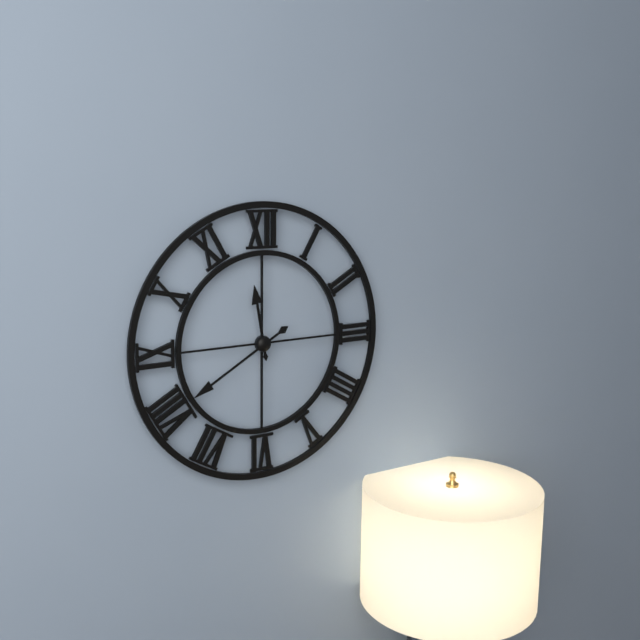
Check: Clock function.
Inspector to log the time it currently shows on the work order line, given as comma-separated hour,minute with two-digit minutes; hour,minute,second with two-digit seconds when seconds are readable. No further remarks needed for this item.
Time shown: 11,40
